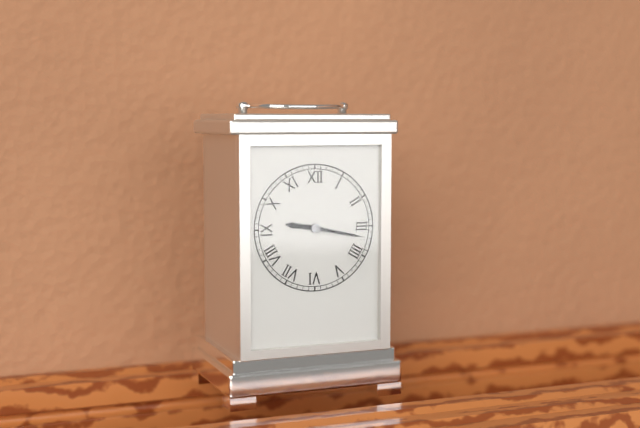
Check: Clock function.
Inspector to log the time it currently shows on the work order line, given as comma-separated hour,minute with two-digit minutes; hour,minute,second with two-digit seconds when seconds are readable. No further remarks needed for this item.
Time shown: 9,17
